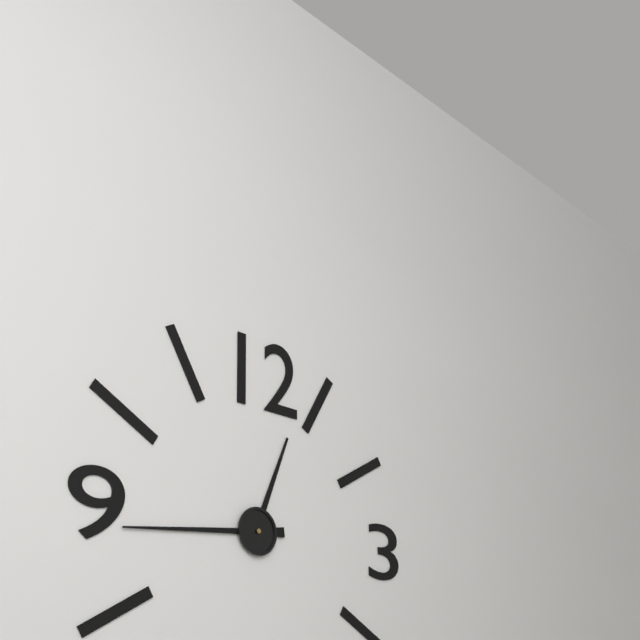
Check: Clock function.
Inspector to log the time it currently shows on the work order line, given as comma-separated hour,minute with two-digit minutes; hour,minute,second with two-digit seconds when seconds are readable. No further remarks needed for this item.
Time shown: 12,44
